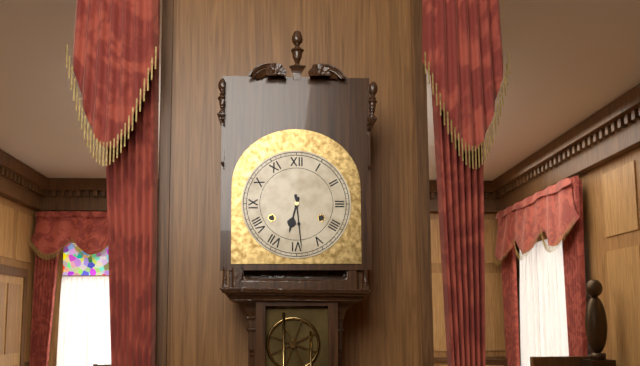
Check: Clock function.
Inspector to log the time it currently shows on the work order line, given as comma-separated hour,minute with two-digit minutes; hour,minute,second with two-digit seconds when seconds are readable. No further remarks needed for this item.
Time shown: 6,29
